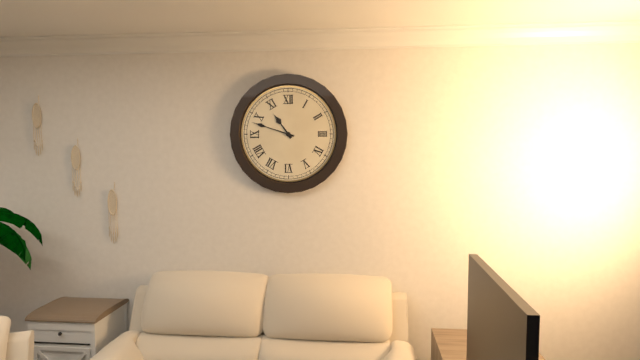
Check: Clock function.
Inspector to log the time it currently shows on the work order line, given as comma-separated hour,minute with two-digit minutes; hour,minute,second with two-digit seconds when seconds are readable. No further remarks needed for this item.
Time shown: 10,48
